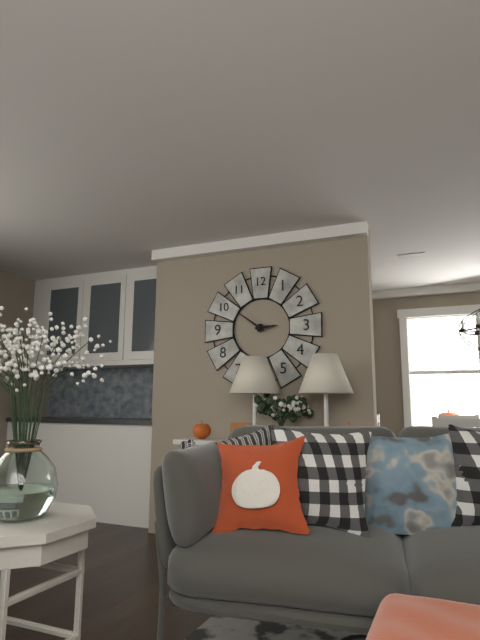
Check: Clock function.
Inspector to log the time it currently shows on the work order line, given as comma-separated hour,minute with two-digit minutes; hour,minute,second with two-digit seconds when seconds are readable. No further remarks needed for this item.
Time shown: 2,51
